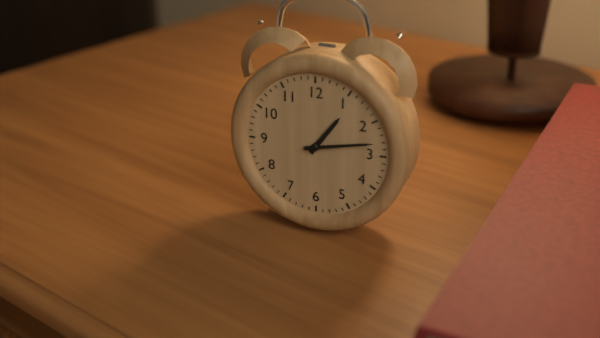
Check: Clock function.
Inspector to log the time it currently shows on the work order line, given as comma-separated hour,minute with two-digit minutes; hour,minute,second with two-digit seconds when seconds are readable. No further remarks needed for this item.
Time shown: 1,13
